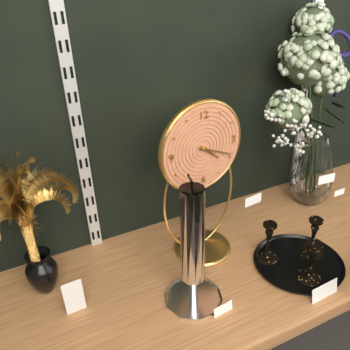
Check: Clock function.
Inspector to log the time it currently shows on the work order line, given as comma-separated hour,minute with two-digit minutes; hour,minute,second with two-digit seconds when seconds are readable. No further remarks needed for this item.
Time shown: 4,19
